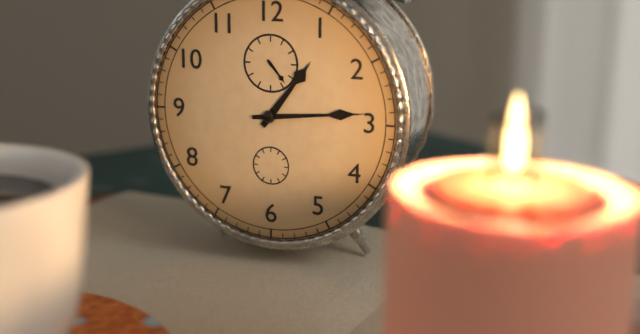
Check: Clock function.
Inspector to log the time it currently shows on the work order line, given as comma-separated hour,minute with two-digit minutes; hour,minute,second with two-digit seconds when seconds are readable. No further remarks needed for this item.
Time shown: 1,14
